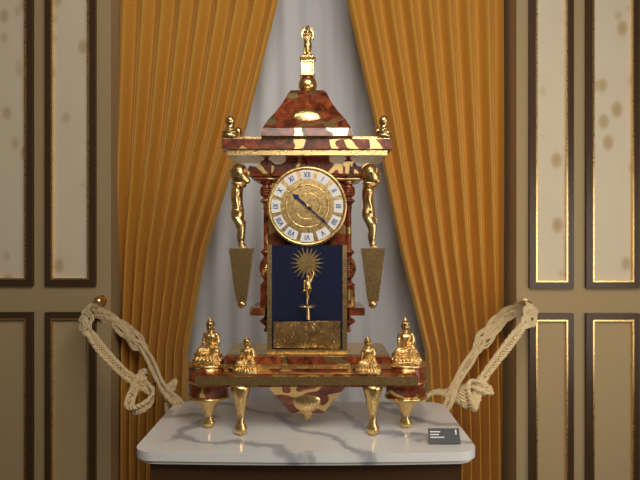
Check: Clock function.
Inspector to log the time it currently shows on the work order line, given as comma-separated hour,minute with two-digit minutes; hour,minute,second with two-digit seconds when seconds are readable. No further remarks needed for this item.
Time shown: 10,22
